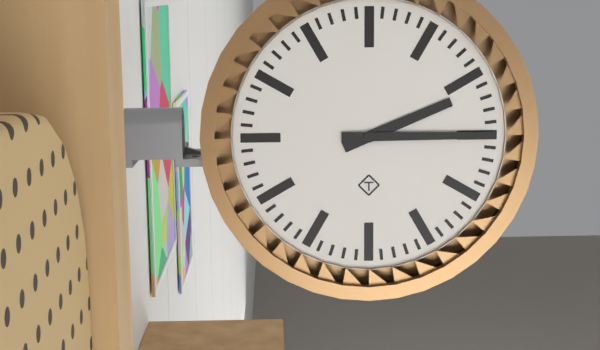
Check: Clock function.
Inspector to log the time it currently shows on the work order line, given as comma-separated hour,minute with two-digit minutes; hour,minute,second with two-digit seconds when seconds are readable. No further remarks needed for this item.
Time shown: 2,15
